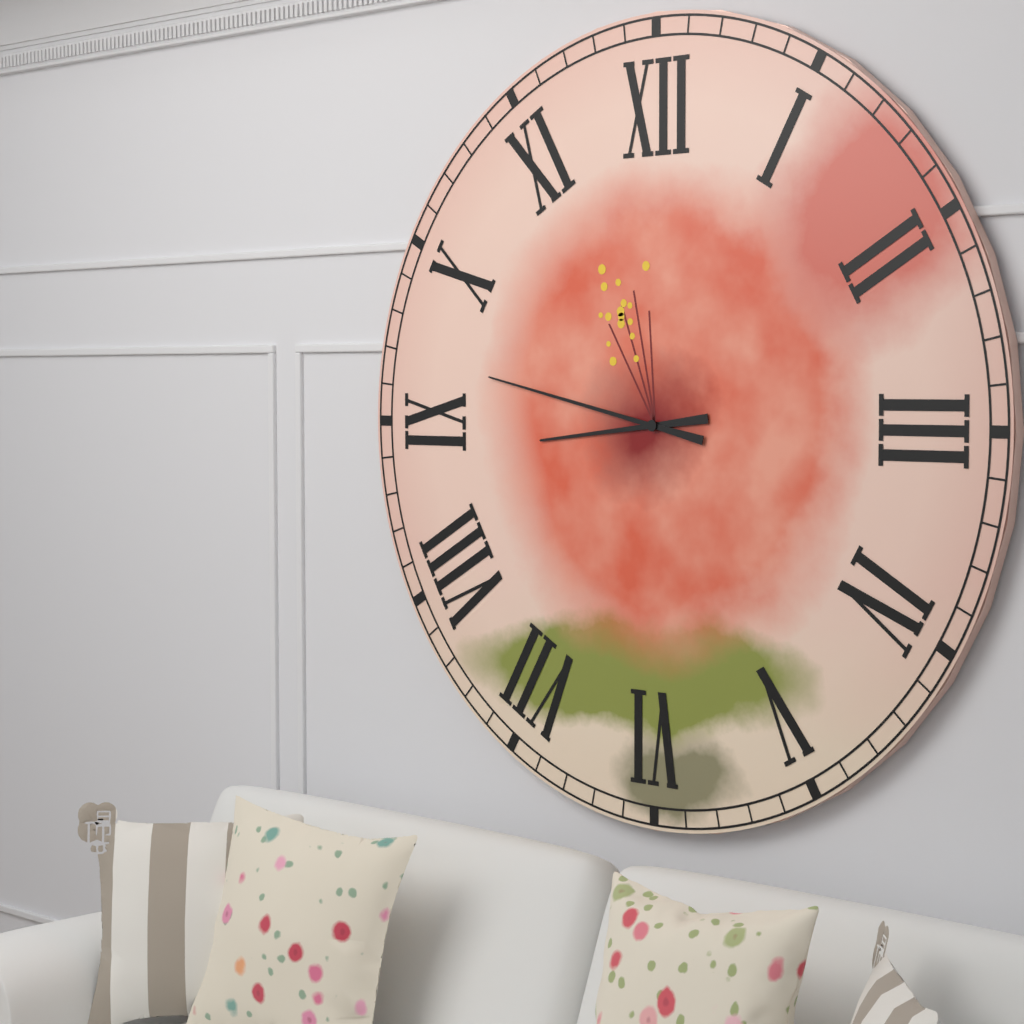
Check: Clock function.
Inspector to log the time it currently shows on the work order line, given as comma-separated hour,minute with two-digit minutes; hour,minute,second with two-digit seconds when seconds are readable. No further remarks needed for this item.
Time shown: 8,47
